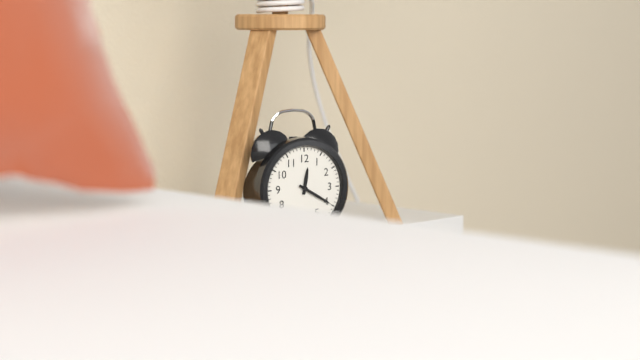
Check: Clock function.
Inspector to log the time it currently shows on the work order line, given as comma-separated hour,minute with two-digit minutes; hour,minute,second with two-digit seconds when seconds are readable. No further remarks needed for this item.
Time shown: 12,20
